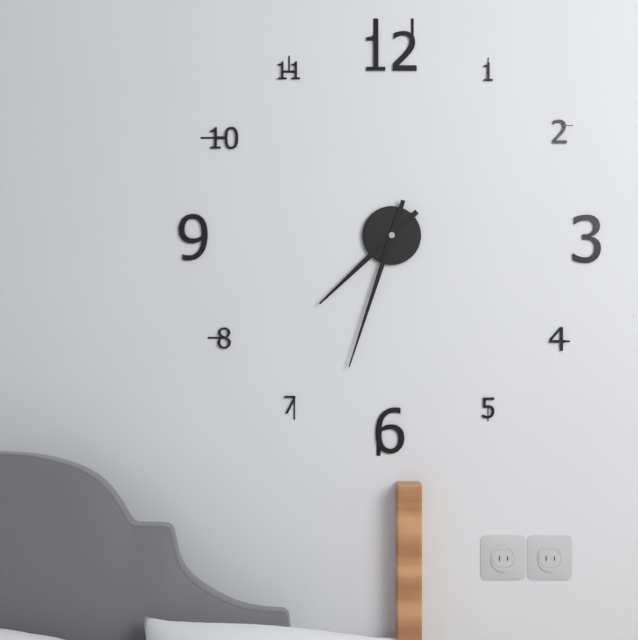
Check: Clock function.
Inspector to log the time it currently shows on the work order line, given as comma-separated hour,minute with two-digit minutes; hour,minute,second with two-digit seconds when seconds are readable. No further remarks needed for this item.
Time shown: 7,33
